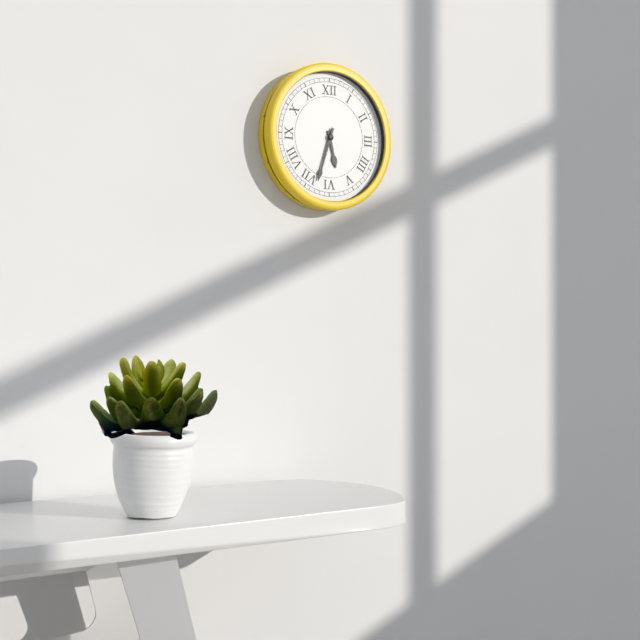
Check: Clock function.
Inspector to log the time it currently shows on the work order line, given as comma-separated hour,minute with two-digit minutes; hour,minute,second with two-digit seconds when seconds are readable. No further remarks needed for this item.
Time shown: 5,33
